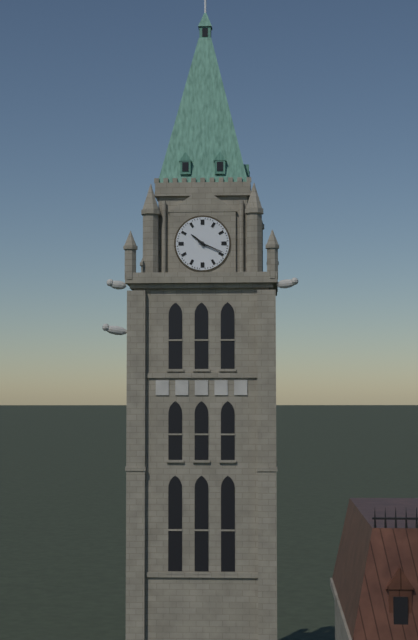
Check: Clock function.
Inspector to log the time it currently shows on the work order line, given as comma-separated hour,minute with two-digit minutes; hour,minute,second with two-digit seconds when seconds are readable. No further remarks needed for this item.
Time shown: 10,19
